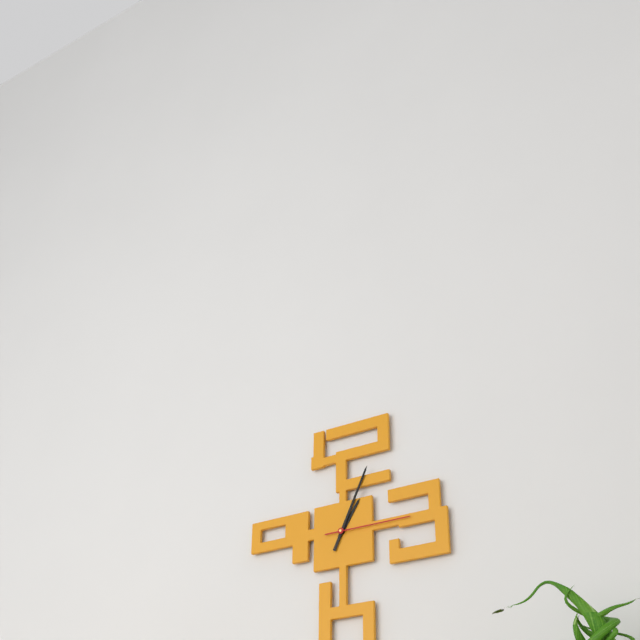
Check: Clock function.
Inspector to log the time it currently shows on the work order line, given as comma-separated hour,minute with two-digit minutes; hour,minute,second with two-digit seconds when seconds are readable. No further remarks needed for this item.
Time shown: 1,04,15
